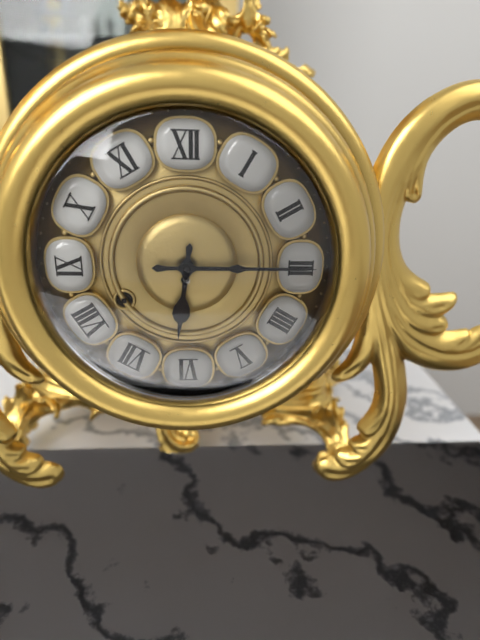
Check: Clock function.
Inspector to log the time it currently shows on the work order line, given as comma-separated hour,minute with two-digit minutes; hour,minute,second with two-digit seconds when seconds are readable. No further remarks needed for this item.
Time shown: 6,15
